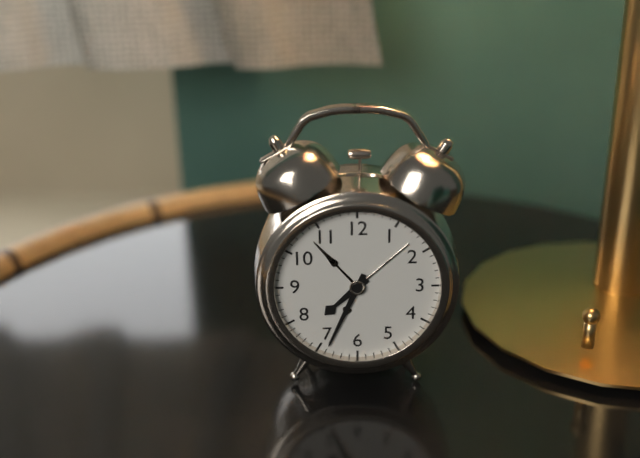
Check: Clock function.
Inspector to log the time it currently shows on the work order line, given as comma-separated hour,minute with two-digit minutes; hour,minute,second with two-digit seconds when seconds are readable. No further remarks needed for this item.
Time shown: 7,34
